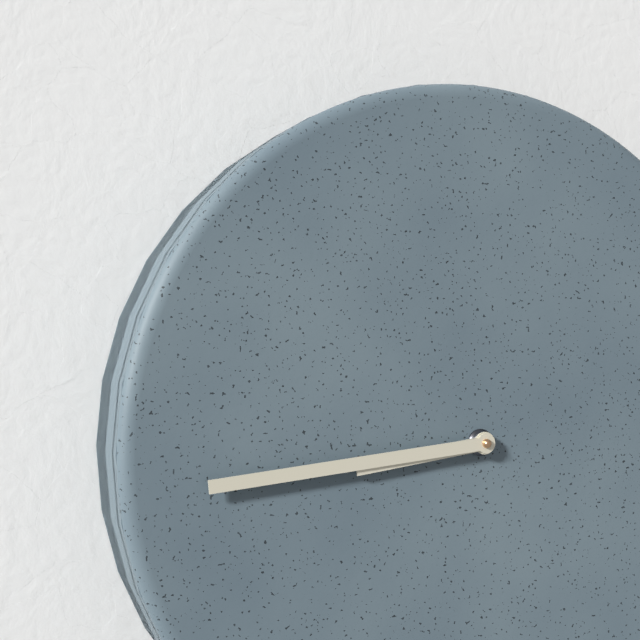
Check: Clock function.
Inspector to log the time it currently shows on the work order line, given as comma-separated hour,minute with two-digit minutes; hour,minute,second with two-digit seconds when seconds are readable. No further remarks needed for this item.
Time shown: 8,44
